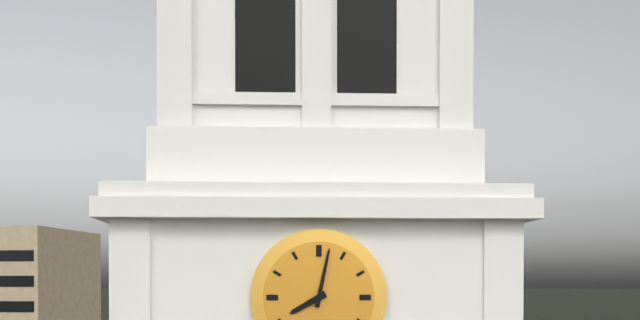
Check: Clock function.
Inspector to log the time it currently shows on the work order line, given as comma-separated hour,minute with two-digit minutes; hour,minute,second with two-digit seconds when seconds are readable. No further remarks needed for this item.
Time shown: 8,02
